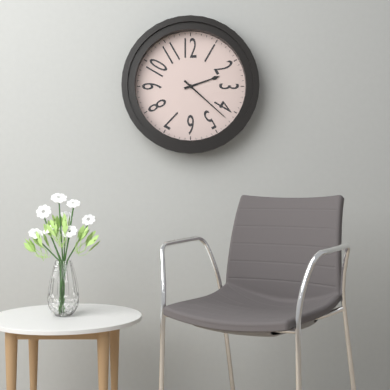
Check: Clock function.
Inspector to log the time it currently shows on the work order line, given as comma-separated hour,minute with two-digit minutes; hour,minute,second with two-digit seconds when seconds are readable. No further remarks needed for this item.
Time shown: 2,22
